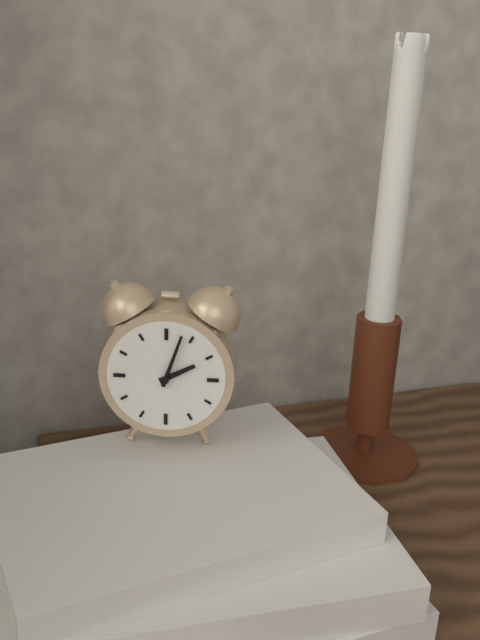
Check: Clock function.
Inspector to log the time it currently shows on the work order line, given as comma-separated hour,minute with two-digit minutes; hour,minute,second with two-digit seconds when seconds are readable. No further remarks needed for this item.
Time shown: 2,03
